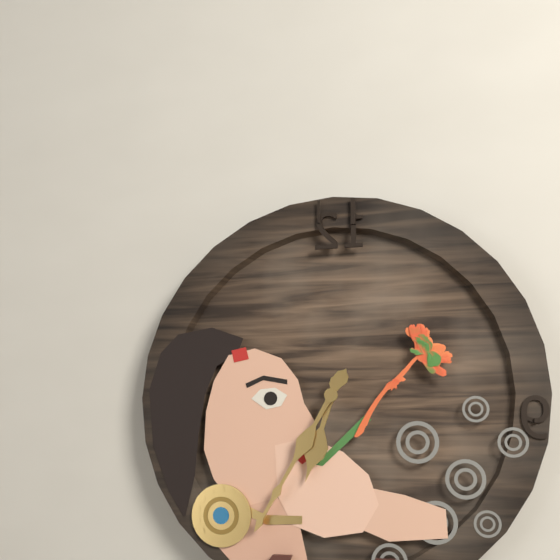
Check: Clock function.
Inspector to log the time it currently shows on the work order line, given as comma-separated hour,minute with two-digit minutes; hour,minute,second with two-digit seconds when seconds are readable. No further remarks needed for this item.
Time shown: 6,35
